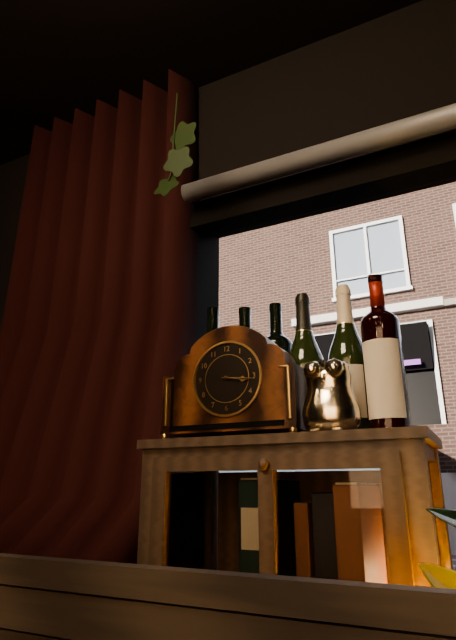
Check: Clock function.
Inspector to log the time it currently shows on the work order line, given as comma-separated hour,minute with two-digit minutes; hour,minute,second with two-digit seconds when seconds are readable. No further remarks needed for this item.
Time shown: 3,16
